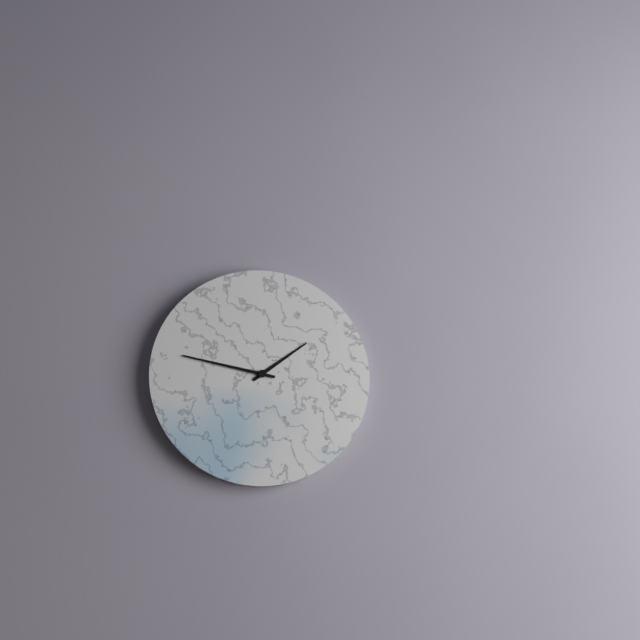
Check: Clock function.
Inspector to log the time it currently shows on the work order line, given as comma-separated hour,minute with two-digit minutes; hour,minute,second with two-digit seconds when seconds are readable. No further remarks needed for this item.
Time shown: 1,47
